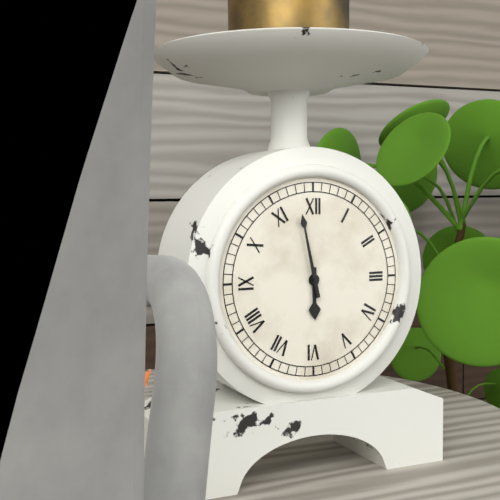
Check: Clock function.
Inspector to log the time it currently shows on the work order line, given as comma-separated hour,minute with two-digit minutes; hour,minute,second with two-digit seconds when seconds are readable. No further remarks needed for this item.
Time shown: 5,58
